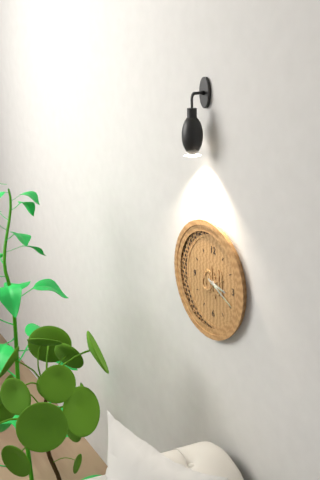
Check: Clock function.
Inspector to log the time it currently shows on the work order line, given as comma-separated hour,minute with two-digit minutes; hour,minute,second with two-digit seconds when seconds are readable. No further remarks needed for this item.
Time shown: 3,19
